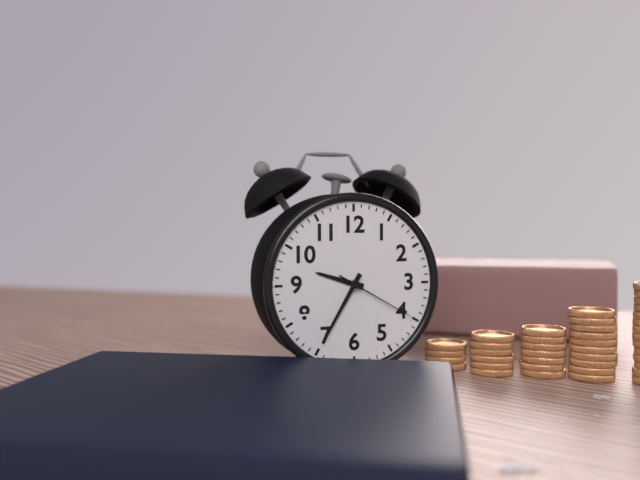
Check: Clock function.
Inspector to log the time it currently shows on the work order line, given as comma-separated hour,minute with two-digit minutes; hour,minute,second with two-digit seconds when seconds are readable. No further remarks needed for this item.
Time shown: 9,35,20
